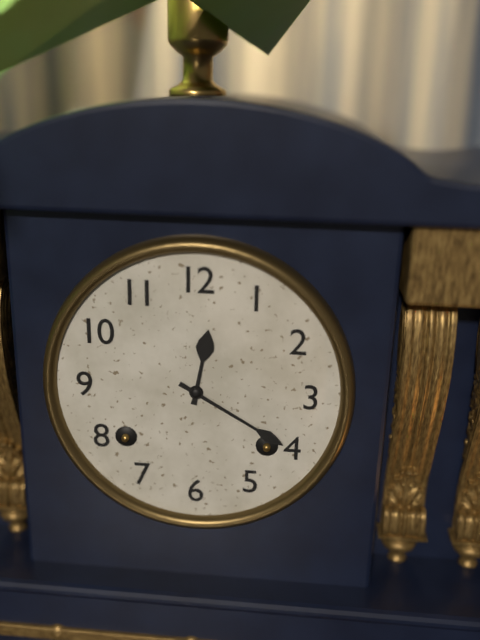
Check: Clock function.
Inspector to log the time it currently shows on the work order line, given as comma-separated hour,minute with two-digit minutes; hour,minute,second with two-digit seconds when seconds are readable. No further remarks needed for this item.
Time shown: 12,20
